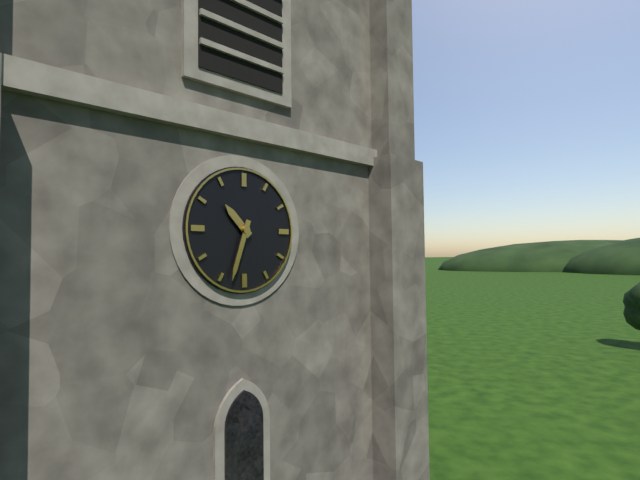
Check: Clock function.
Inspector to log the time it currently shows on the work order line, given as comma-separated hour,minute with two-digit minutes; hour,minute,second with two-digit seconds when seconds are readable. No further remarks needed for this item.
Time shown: 10,33
